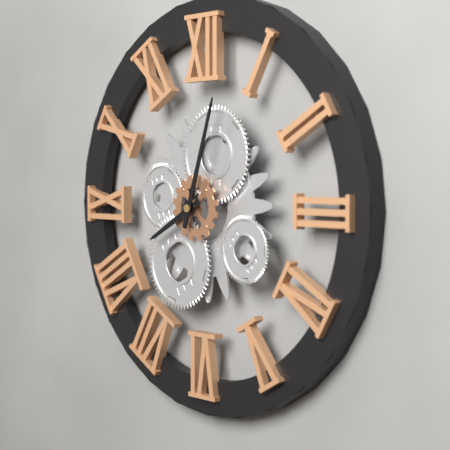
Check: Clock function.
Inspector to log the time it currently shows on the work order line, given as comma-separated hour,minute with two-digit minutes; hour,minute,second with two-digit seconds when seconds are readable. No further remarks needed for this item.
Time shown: 8,03
